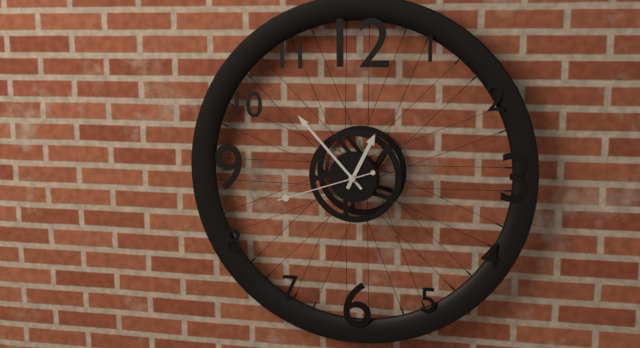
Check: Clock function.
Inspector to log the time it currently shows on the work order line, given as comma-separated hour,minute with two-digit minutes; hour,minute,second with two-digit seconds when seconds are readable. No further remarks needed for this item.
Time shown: 12,53,42
